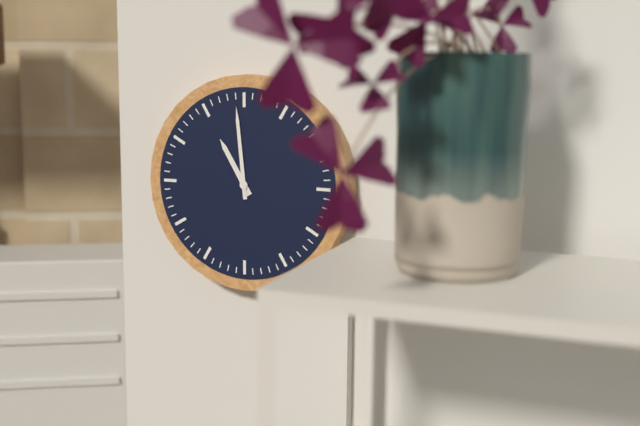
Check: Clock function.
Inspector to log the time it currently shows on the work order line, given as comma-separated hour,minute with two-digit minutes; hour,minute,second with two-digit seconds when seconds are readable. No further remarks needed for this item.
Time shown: 10,59
